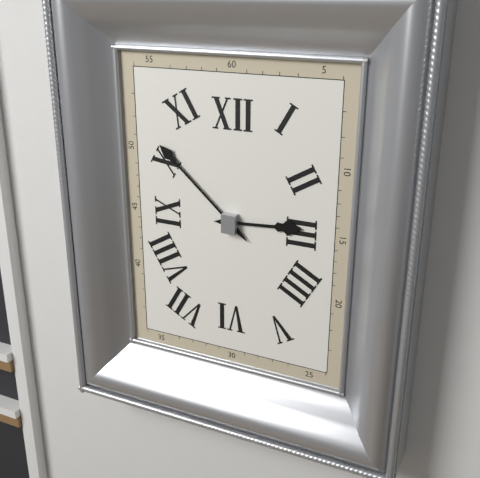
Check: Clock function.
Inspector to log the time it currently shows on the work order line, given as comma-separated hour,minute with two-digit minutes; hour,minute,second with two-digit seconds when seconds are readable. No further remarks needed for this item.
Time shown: 2,52
